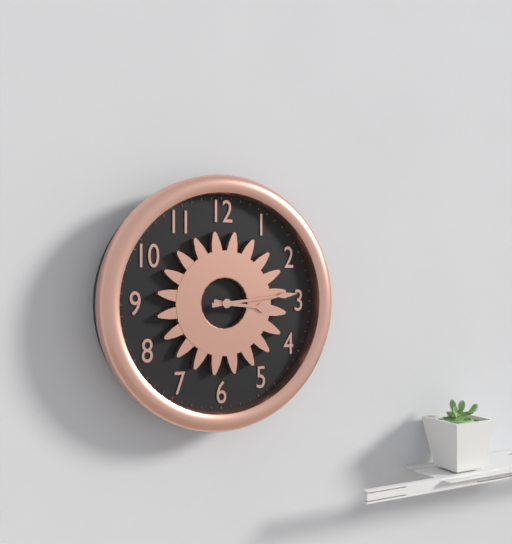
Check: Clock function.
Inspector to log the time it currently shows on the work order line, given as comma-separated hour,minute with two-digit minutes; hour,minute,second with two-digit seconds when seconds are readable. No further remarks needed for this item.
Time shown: 3,14
